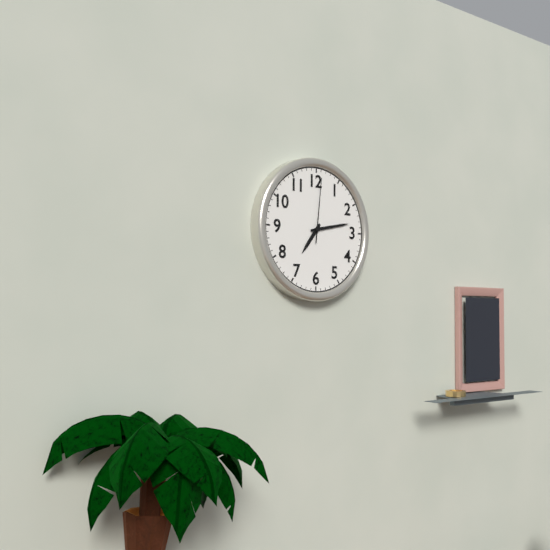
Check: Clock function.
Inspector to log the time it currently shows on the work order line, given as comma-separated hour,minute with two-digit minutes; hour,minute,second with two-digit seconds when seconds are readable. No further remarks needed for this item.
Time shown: 7,13,01
